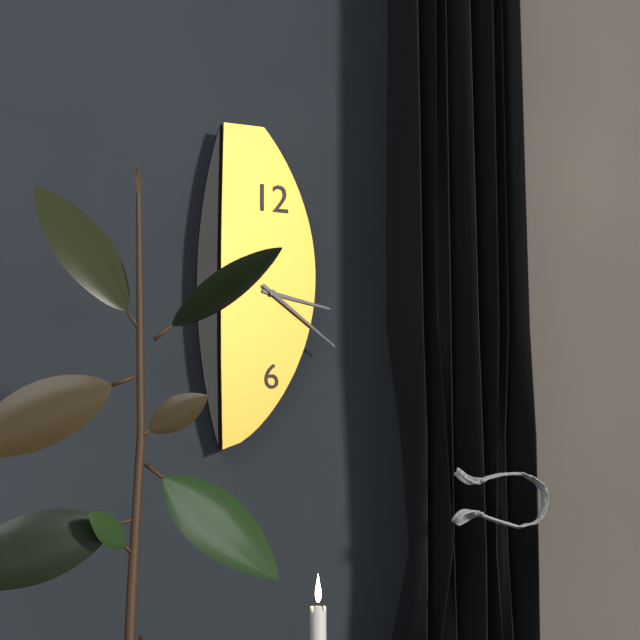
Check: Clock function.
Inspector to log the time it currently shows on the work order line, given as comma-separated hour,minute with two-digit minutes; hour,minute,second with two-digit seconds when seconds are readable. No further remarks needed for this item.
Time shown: 3,21
